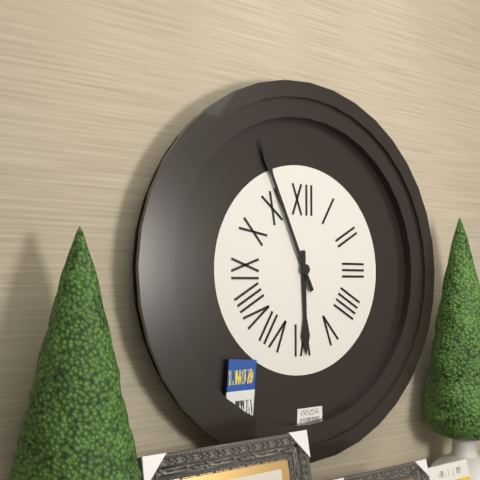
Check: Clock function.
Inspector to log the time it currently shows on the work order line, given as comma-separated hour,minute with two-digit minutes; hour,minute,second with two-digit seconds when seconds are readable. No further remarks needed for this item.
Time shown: 5,56
